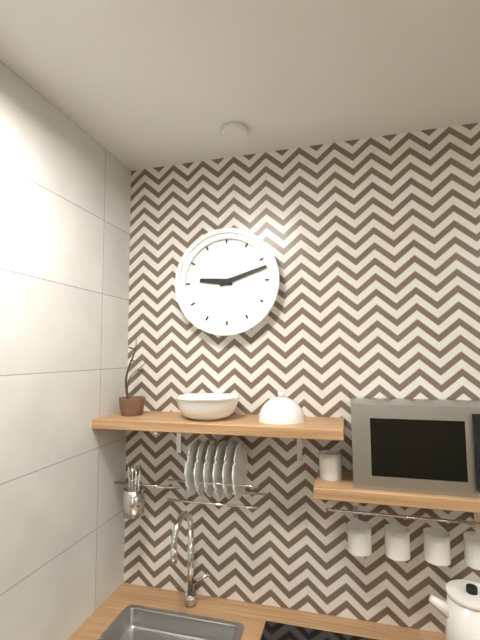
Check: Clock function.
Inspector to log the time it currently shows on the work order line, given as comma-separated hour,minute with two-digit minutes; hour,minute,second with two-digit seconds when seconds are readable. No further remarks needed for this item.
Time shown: 9,12
